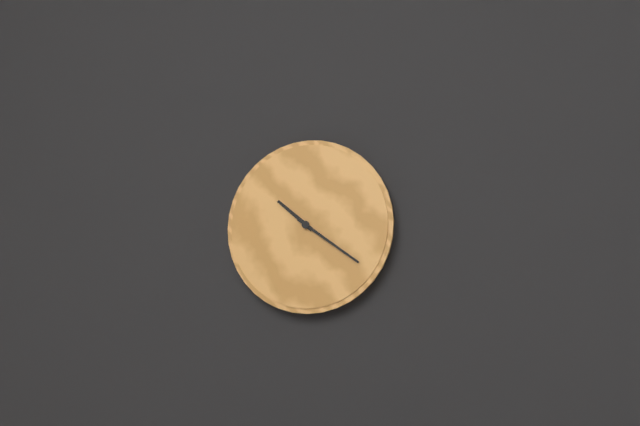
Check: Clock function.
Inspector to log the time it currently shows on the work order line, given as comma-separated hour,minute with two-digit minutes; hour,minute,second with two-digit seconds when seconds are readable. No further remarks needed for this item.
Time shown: 10,21
